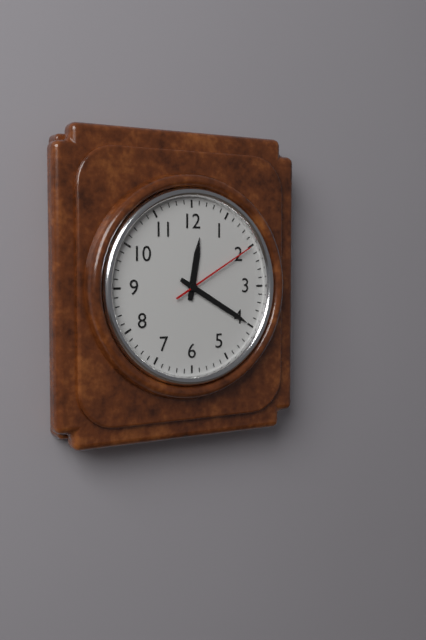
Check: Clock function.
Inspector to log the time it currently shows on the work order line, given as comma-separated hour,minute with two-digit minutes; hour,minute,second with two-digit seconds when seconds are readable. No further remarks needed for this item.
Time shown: 12,20,10
